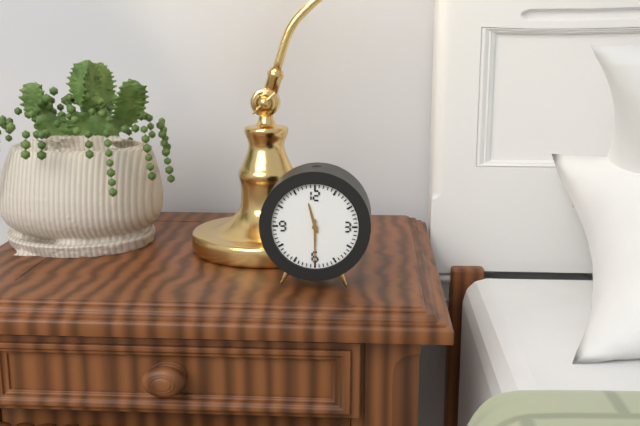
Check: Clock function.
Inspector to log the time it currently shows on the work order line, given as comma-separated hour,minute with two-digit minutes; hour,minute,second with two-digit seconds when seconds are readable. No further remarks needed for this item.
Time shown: 11,30
